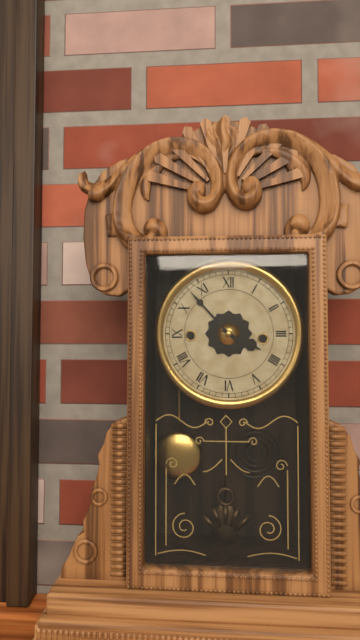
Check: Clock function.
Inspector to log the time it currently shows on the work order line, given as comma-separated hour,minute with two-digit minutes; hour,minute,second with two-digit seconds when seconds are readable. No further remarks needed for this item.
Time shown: 3,53
